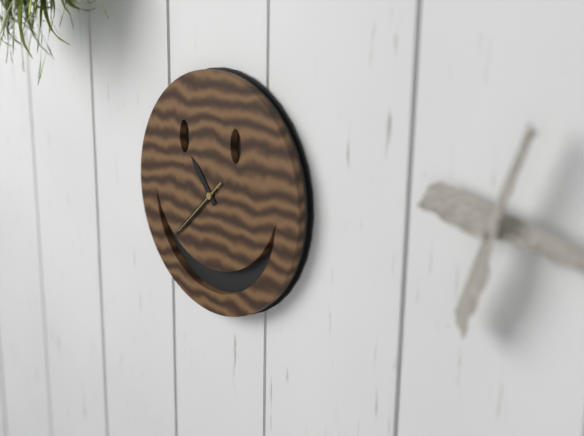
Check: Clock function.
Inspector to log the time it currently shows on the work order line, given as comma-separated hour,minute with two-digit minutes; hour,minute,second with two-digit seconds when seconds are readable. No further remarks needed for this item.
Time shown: 10,38,38
